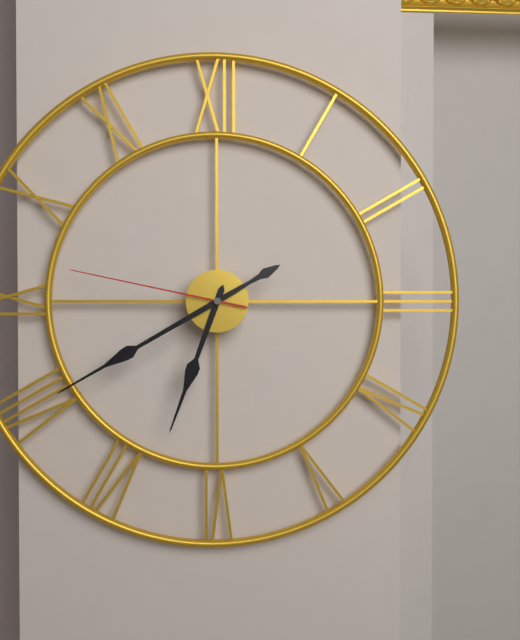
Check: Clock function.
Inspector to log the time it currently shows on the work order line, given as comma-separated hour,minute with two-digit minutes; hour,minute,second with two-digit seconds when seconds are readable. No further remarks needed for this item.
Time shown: 6,40,47
